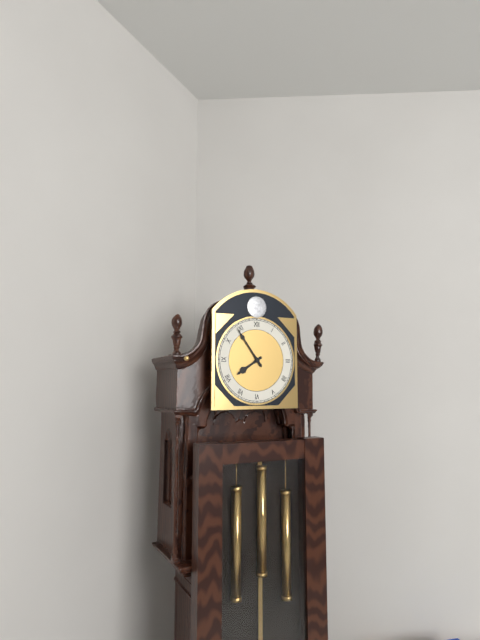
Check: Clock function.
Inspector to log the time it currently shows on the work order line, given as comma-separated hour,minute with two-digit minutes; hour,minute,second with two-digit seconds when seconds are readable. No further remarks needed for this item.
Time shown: 7,54
